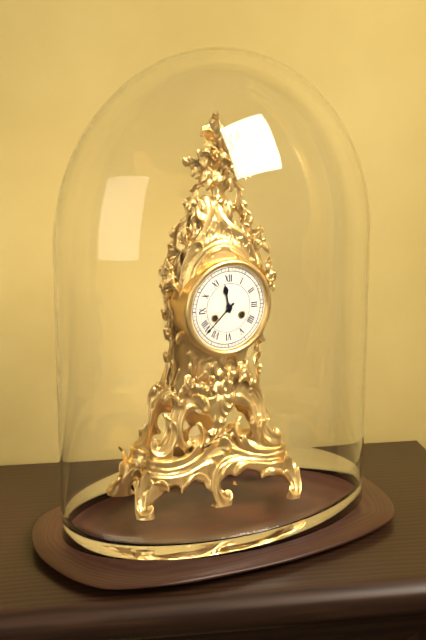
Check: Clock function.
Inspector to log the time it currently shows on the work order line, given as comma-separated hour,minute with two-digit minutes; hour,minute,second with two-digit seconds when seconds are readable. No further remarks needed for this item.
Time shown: 11,38
